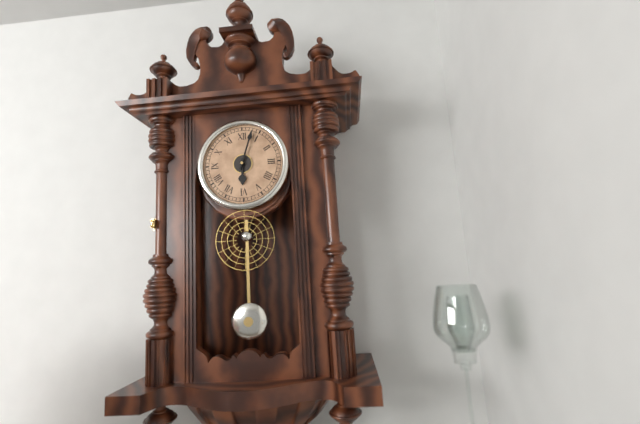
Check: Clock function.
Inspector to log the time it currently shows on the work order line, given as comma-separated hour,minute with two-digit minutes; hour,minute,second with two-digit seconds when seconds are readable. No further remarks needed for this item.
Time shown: 6,03
